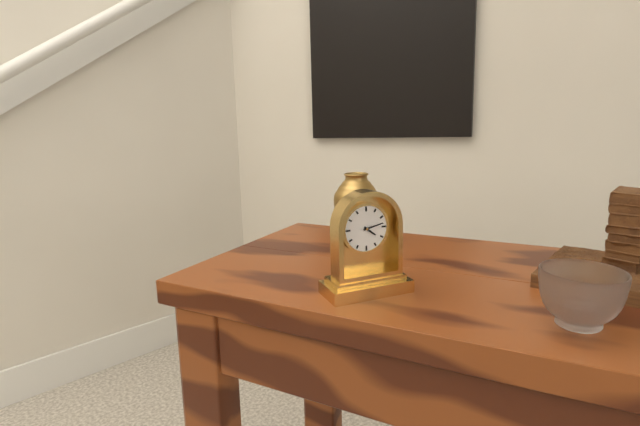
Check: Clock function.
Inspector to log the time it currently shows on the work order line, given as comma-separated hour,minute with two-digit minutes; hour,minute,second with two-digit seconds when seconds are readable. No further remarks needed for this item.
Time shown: 4,13
